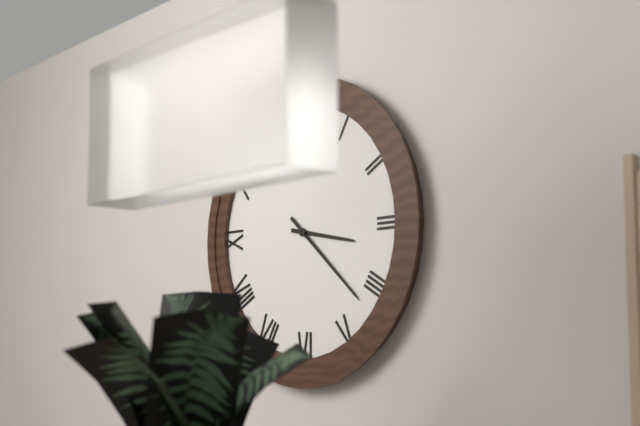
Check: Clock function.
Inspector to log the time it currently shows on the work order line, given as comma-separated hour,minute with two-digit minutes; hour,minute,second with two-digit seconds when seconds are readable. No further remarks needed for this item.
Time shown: 3,22
